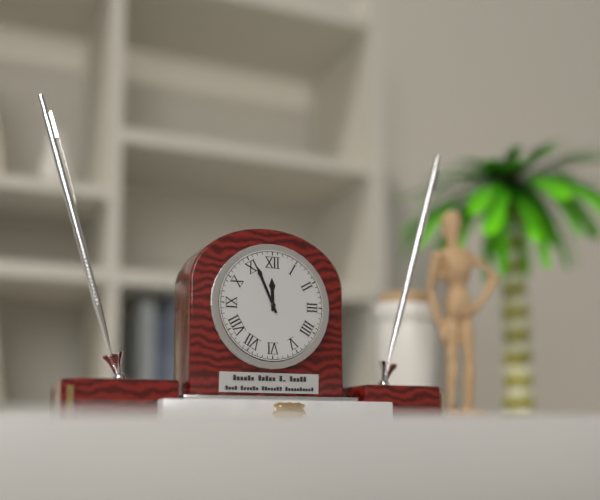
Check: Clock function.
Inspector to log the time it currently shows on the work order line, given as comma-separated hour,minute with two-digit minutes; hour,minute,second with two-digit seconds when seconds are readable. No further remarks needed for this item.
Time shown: 11,56
